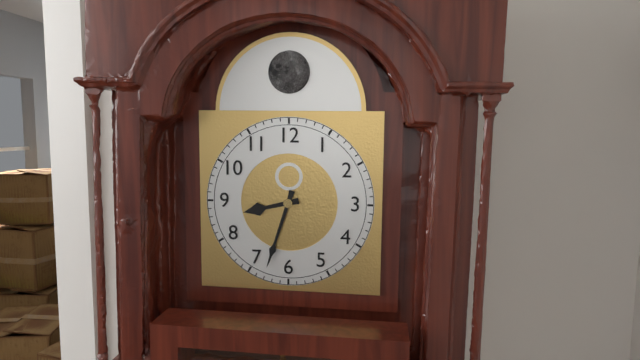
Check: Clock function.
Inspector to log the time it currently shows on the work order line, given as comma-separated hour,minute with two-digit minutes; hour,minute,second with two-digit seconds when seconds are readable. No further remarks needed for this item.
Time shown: 8,33
